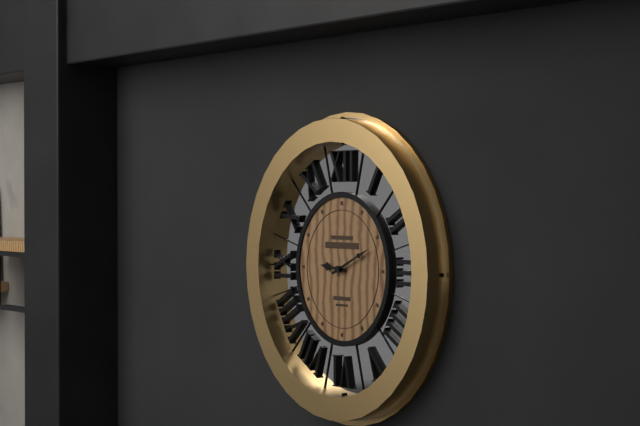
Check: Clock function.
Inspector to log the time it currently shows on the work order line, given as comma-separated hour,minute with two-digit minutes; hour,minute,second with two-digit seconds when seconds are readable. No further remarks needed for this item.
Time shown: 9,11
